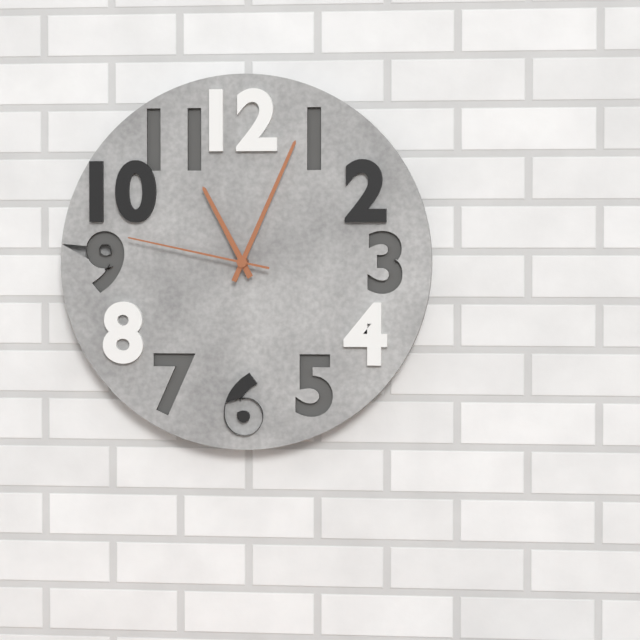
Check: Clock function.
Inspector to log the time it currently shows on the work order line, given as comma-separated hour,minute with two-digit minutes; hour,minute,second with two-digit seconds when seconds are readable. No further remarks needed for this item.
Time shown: 11,04,47
